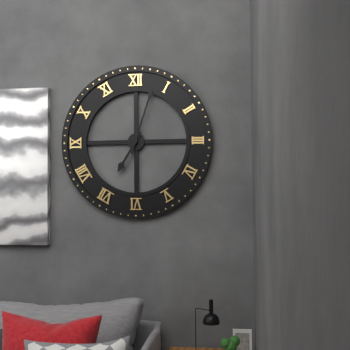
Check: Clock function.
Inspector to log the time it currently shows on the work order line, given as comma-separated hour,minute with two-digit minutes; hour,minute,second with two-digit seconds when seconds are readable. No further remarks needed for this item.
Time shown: 7,03
